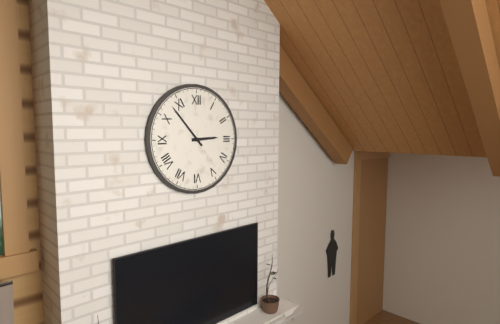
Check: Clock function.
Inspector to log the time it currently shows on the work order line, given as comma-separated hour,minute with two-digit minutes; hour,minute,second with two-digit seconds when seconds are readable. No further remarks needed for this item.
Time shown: 2,53
